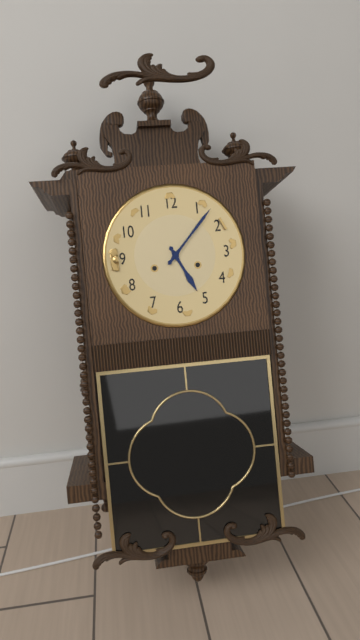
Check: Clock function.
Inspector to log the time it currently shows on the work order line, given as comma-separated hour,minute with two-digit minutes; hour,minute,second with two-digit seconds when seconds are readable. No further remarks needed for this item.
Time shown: 5,07
